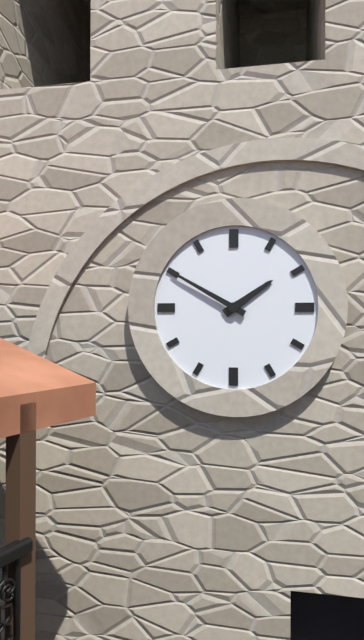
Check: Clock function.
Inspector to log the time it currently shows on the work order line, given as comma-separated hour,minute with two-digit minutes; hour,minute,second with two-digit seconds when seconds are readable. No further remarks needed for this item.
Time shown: 1,50
